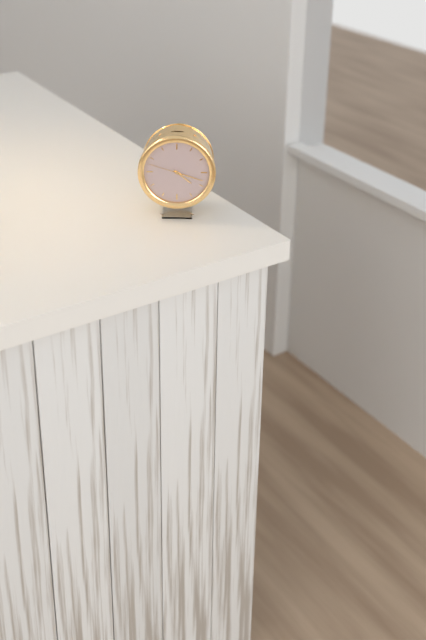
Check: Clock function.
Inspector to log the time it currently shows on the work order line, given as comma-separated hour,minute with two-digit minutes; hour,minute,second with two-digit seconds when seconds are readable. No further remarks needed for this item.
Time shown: 4,18
